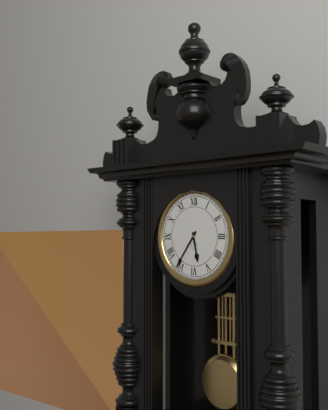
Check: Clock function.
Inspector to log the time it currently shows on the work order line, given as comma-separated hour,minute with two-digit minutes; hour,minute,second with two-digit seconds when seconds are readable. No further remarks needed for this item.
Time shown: 5,36
